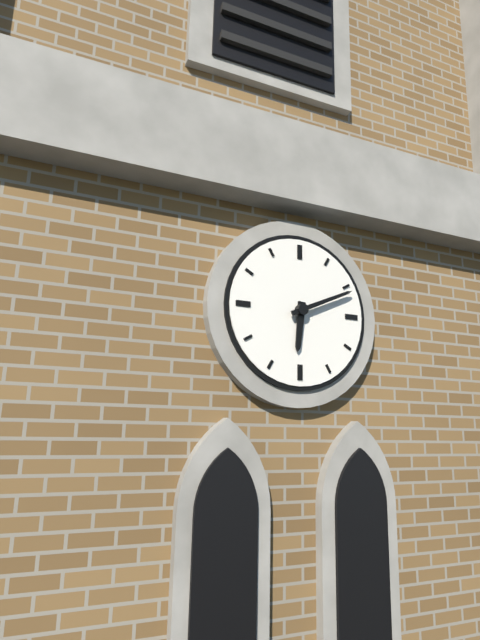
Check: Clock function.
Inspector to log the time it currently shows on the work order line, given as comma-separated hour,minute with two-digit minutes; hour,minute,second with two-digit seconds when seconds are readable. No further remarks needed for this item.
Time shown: 6,11
